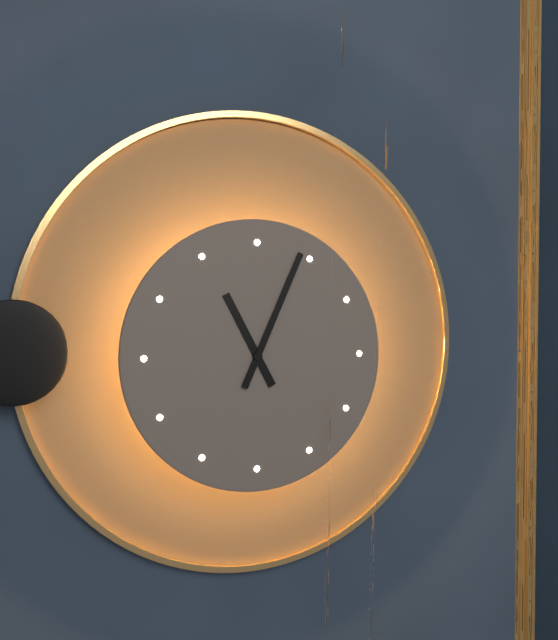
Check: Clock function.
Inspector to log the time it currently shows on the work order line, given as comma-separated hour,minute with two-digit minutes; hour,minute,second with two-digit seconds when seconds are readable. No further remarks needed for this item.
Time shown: 11,04
